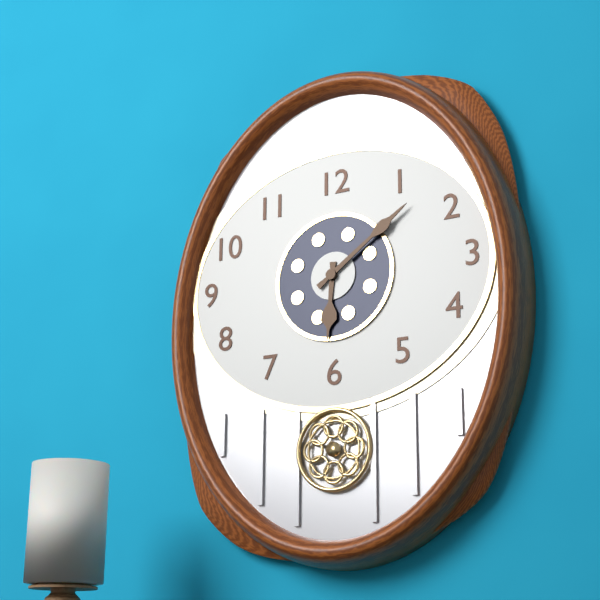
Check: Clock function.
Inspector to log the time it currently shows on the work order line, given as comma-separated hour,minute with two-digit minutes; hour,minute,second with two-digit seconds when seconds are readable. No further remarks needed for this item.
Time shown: 6,09
